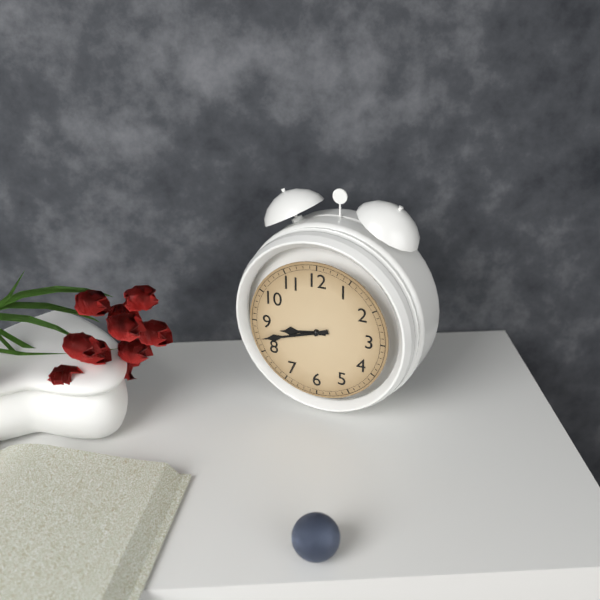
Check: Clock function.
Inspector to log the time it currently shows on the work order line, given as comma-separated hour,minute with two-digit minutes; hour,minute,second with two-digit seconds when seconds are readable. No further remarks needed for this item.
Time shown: 8,42
